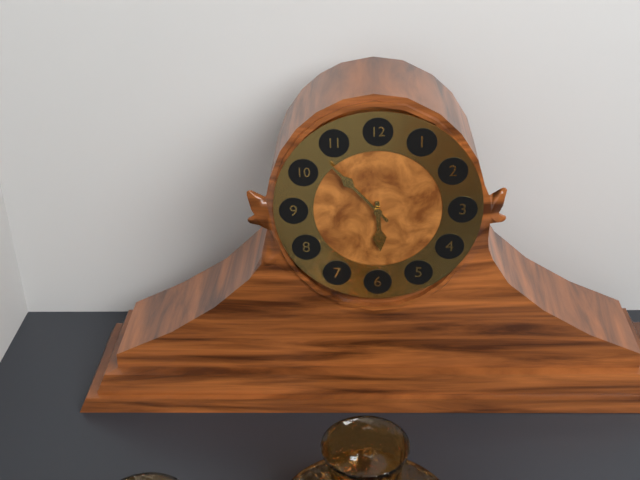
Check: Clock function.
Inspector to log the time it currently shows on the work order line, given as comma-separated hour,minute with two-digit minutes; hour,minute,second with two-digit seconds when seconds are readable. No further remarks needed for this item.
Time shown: 5,53
